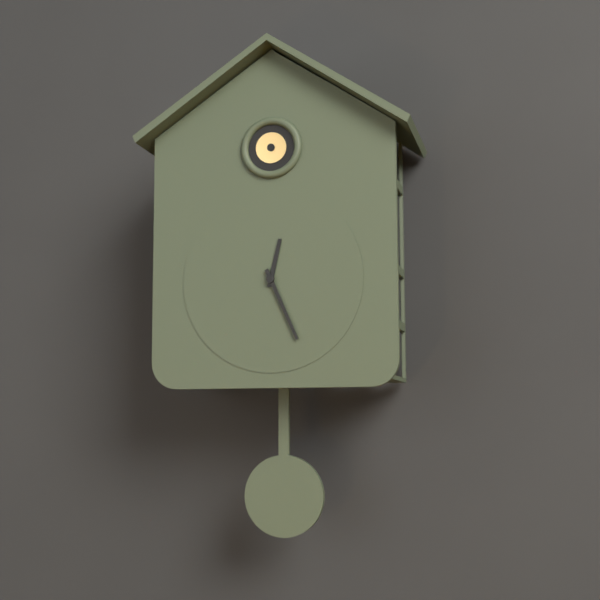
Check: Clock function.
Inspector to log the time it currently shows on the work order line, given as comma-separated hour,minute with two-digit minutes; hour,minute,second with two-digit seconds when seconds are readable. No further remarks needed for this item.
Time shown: 12,26
